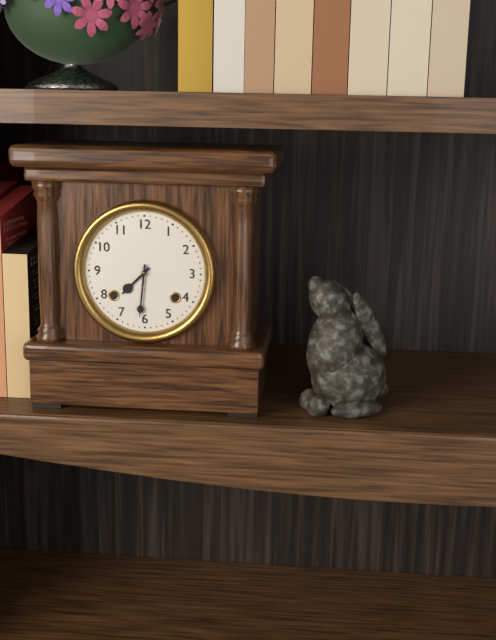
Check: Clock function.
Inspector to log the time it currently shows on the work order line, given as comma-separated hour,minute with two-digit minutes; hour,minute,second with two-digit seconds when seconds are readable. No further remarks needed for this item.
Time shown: 7,31
